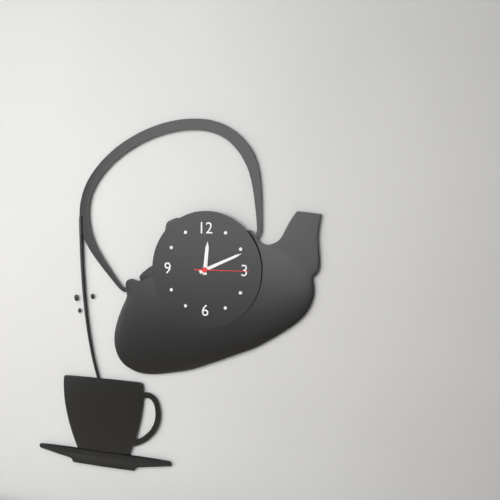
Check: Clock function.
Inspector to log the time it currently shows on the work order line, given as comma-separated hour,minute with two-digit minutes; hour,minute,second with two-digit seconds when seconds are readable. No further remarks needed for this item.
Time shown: 12,11,15
